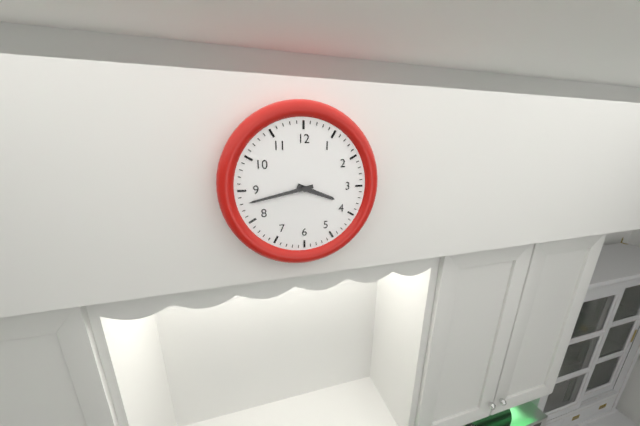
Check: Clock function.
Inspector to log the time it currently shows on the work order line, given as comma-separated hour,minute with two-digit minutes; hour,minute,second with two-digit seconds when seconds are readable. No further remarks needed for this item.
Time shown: 3,43
